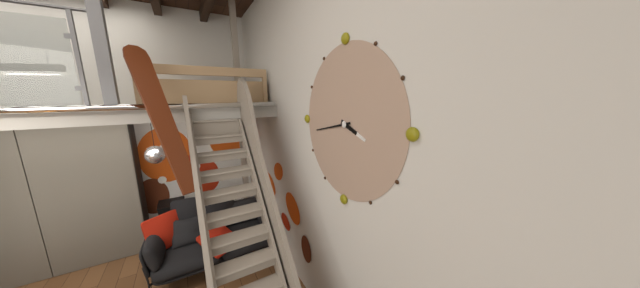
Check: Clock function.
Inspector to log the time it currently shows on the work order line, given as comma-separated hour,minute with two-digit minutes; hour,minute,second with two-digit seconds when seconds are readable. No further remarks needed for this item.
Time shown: 3,43
